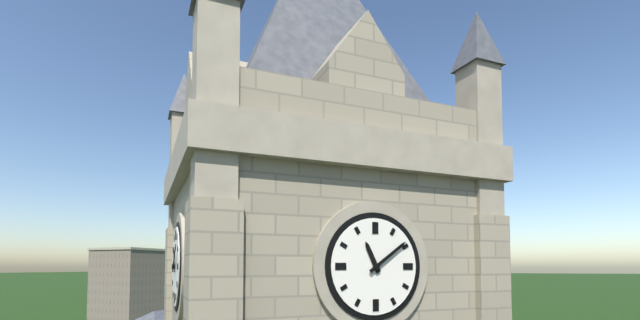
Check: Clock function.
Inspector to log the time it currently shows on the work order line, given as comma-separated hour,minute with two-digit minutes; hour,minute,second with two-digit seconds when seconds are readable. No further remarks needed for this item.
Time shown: 11,09
